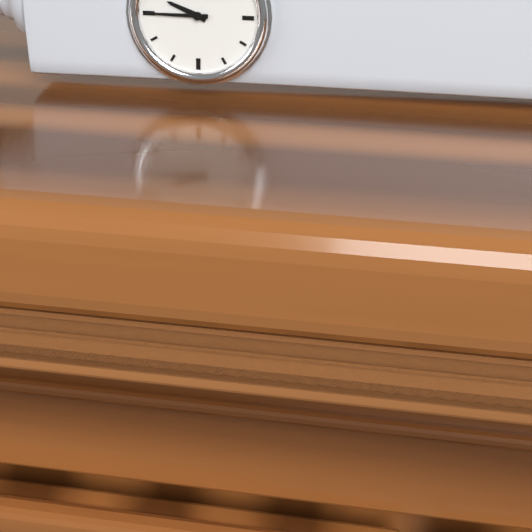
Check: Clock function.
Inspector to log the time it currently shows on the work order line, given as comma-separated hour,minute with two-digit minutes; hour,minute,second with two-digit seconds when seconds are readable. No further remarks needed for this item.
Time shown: 9,45
